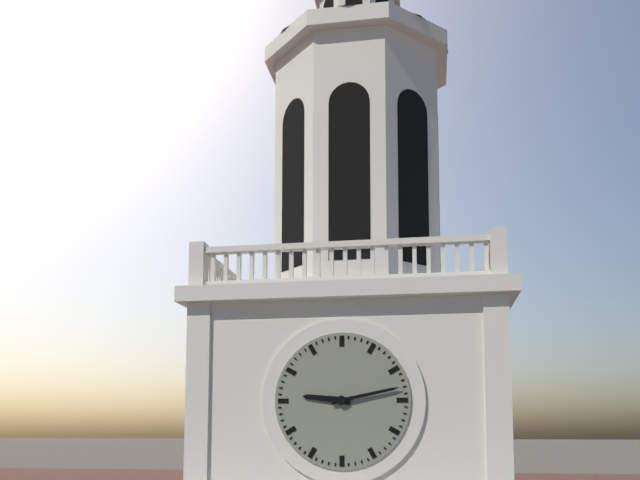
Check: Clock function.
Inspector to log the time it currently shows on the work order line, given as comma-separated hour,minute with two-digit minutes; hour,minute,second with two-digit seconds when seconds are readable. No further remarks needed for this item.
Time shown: 9,13
